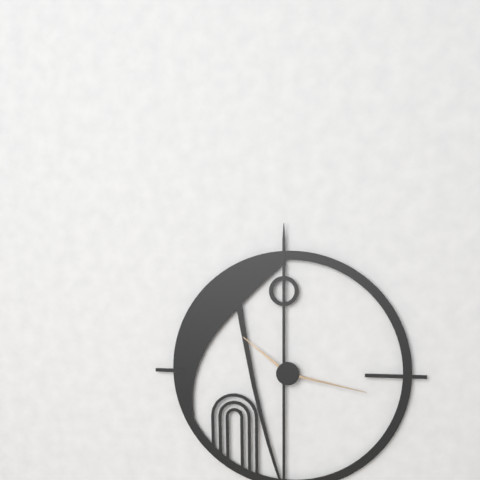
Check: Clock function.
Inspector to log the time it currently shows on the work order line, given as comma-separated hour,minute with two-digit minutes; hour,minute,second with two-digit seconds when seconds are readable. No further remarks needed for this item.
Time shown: 10,17
